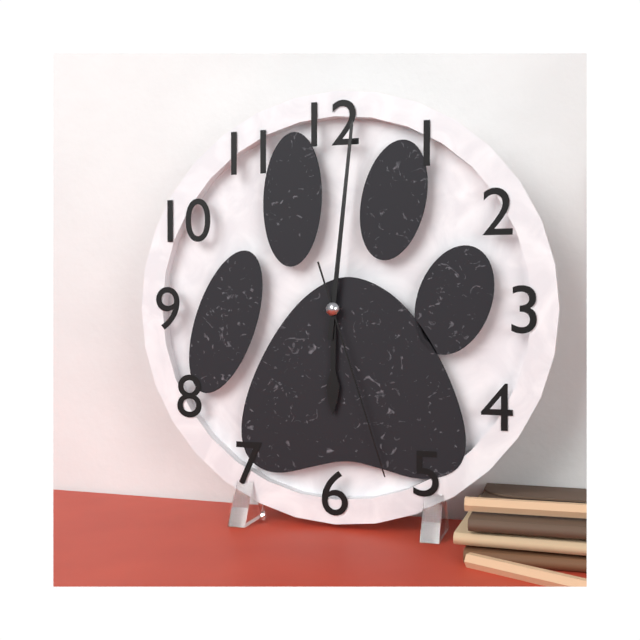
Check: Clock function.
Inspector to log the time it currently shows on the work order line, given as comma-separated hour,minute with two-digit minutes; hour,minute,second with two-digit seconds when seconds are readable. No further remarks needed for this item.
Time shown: 6,01,27
